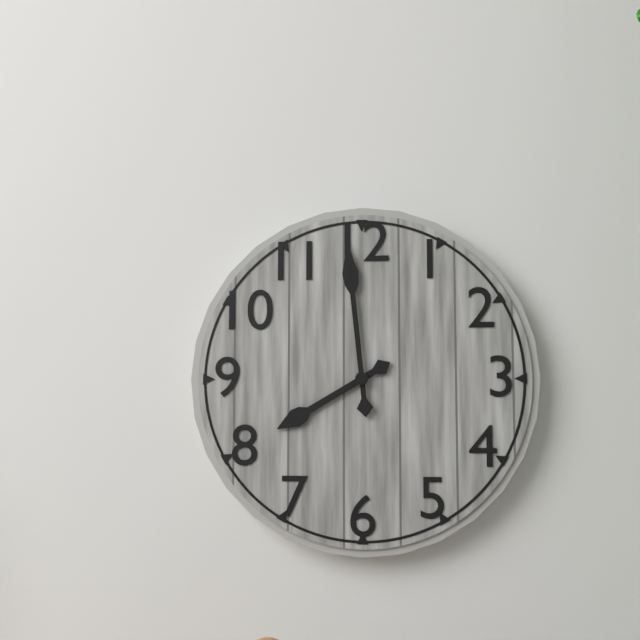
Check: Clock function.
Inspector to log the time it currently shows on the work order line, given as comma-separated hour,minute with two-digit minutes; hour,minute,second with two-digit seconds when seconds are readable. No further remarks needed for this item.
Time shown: 7,59
